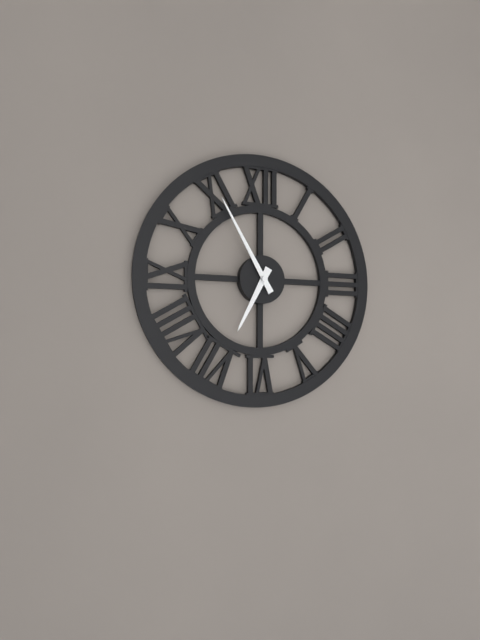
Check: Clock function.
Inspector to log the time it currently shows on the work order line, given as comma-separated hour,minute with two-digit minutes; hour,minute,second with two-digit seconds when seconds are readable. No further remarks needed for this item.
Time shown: 6,55
